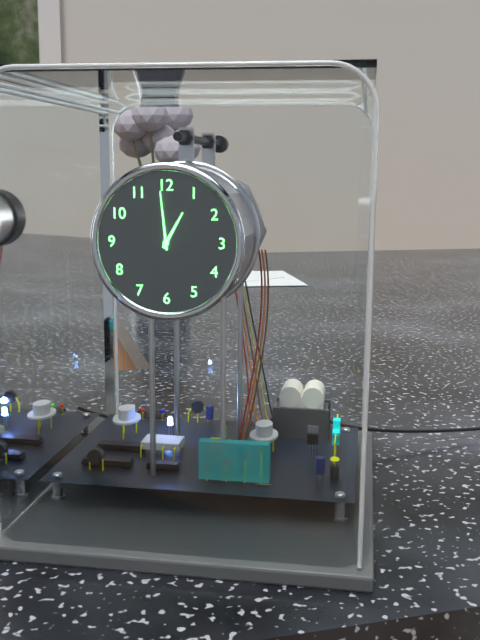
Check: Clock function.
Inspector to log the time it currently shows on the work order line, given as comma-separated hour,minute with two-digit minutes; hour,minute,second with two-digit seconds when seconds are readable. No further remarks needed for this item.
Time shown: 12,59
